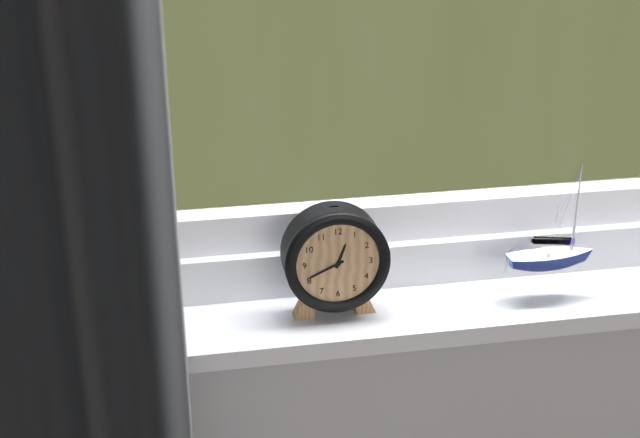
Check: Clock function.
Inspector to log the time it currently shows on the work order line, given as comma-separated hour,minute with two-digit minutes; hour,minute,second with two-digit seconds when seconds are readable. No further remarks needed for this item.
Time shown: 12,41
